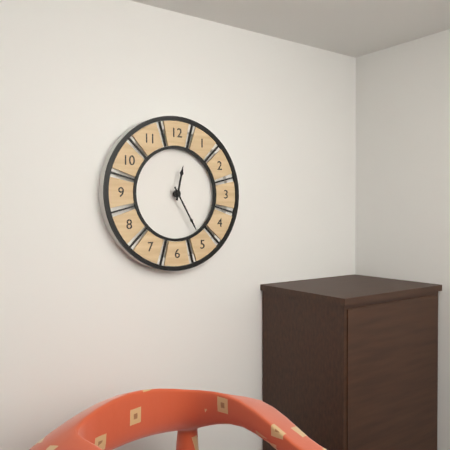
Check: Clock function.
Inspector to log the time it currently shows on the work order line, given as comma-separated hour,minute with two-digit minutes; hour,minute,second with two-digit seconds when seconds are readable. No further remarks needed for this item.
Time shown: 12,25
